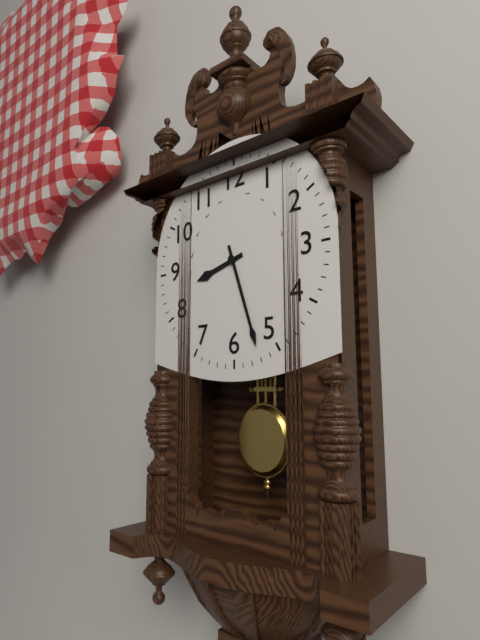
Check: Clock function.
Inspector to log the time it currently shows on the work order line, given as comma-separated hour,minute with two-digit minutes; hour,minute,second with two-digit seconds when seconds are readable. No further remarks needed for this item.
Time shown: 8,27
